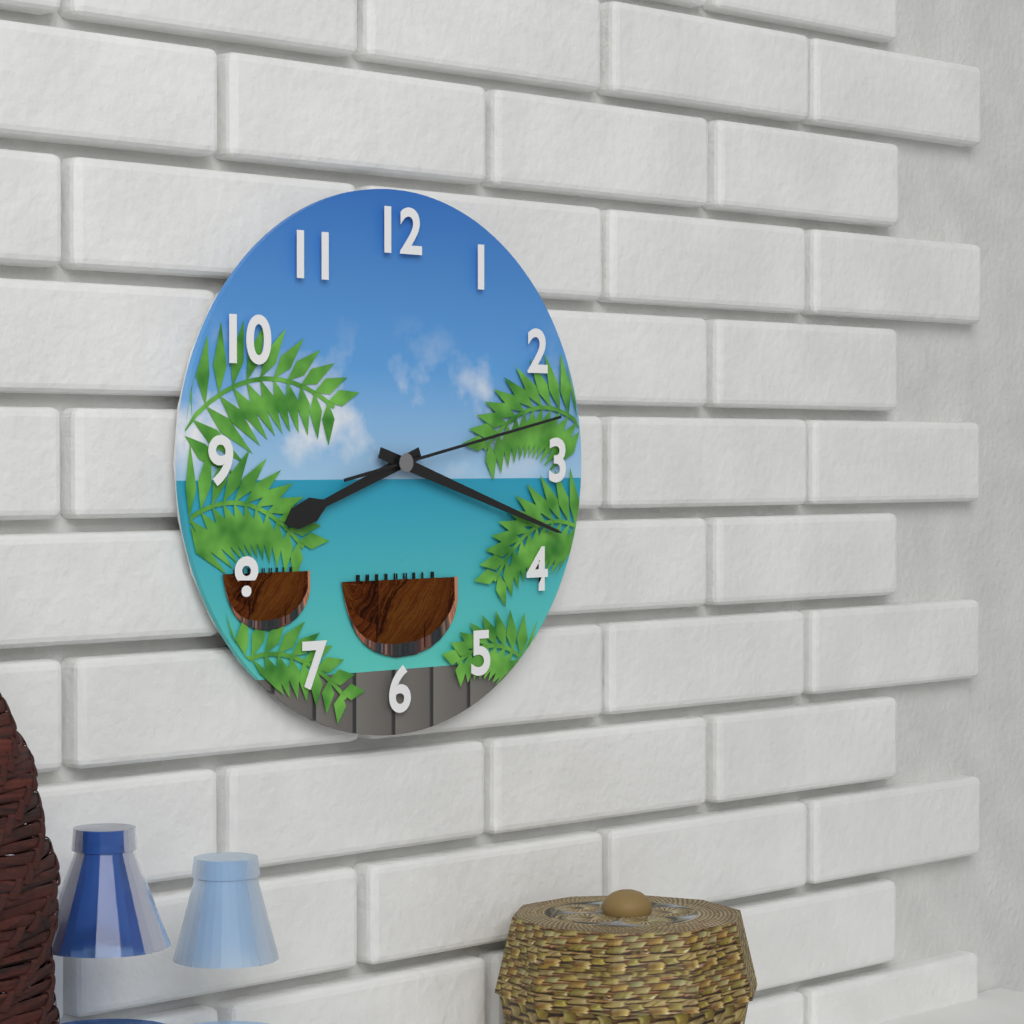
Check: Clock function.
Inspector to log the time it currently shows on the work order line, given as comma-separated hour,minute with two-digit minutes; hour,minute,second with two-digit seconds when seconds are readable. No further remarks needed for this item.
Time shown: 8,18,13
